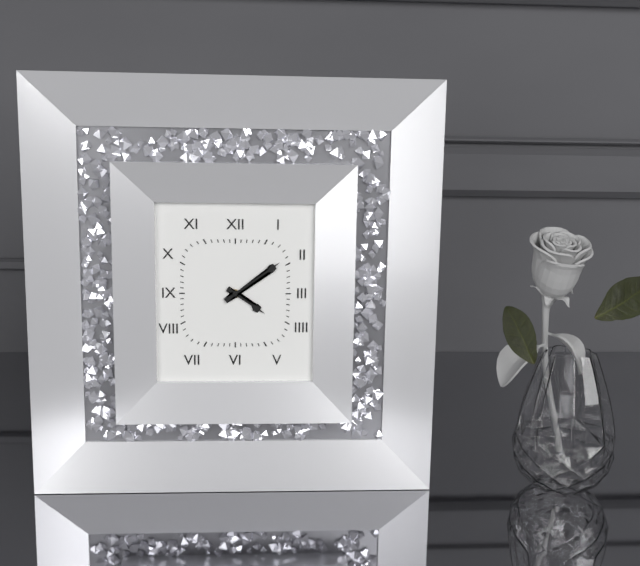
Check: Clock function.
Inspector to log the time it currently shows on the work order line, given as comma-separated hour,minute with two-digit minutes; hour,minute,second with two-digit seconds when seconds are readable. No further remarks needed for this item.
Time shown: 4,09
